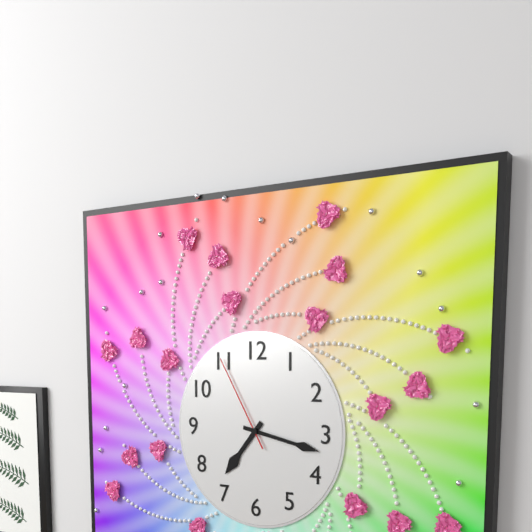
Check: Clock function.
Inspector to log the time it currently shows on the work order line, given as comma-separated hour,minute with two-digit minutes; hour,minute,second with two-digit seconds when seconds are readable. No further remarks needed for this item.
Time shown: 7,17,55
